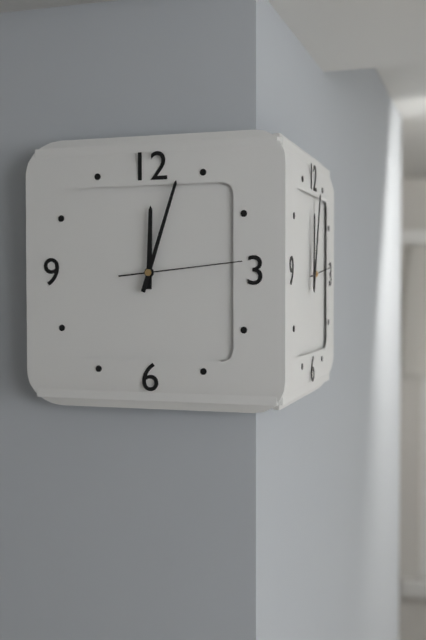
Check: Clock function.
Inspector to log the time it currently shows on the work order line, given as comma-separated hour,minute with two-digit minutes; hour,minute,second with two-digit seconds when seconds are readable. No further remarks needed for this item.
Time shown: 12,03,14
